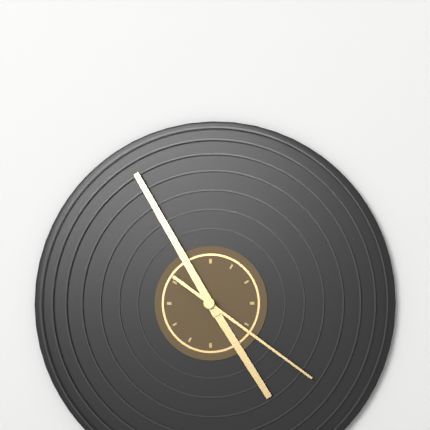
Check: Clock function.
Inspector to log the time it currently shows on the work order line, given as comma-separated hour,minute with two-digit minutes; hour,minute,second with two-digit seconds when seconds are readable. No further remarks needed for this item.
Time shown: 4,55,21
